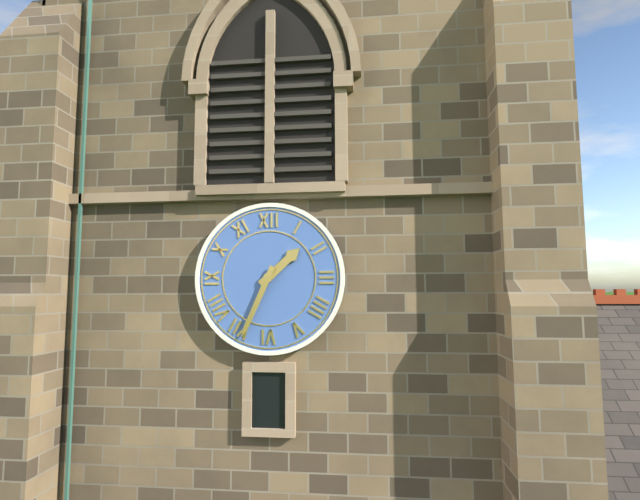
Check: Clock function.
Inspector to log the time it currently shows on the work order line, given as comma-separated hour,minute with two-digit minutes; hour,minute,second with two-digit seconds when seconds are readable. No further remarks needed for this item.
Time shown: 1,34
